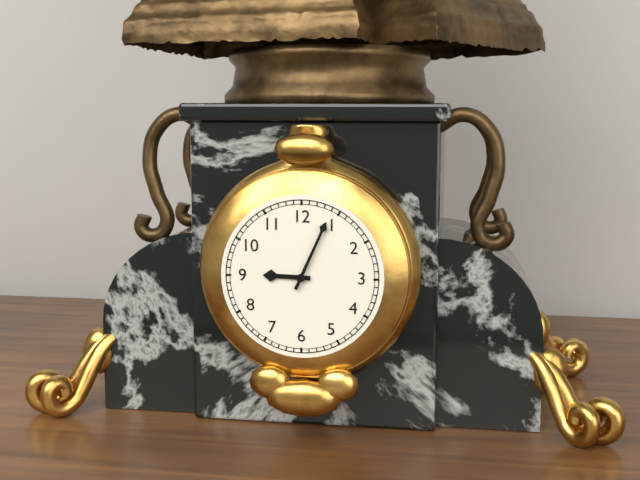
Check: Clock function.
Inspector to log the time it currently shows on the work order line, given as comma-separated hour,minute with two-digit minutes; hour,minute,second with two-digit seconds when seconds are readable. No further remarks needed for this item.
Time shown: 9,04
